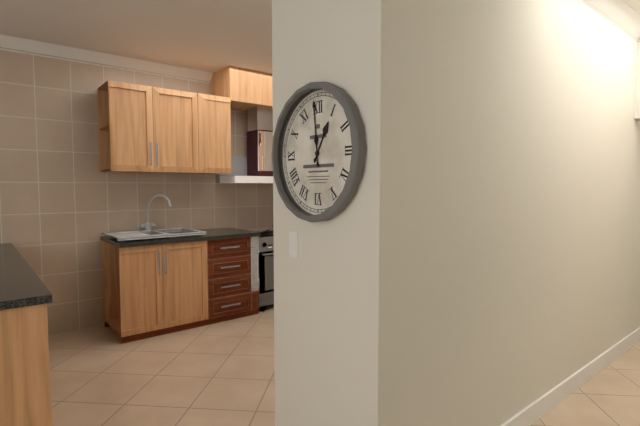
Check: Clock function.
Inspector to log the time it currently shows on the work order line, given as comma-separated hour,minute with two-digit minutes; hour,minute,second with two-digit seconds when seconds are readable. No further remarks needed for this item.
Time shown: 12,59
